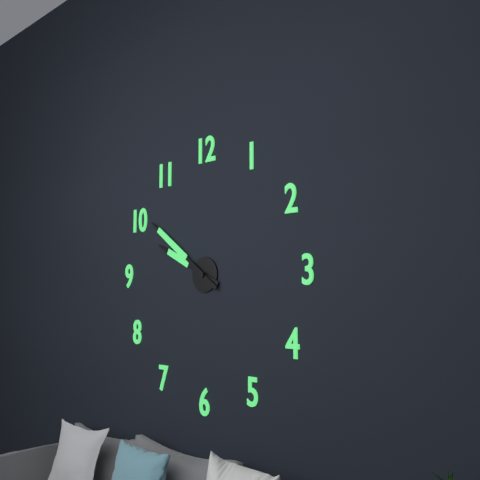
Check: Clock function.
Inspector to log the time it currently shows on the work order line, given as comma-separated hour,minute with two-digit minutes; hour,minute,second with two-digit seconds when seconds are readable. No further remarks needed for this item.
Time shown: 9,51
